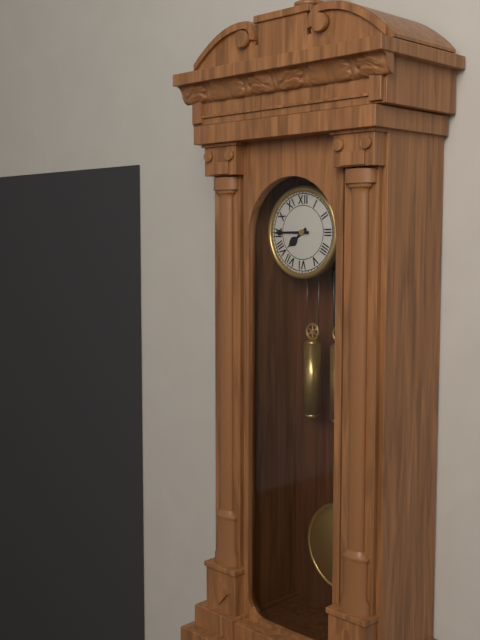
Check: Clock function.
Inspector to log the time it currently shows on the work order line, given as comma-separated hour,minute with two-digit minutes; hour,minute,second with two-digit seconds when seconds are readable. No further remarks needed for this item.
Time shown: 7,45
